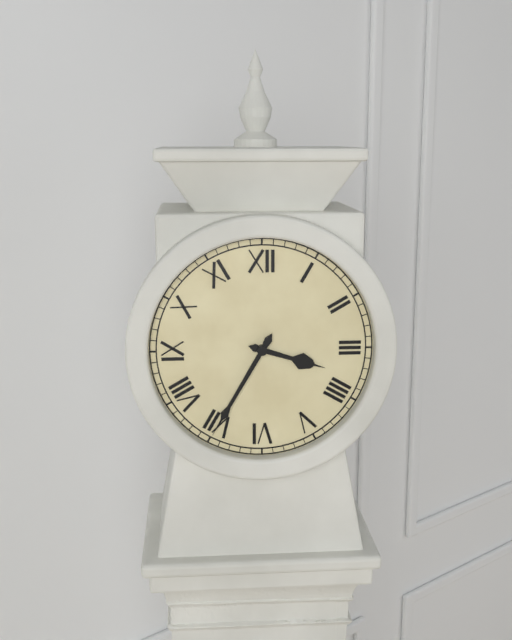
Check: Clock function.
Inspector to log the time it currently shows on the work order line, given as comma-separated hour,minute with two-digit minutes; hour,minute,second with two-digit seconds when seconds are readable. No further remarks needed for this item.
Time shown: 3,35
